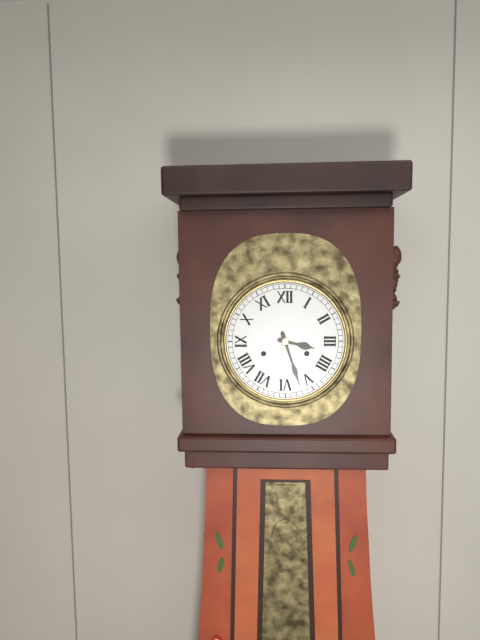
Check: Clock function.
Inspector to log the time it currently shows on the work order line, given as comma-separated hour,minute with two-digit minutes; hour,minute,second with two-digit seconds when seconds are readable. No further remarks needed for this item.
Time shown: 3,27
